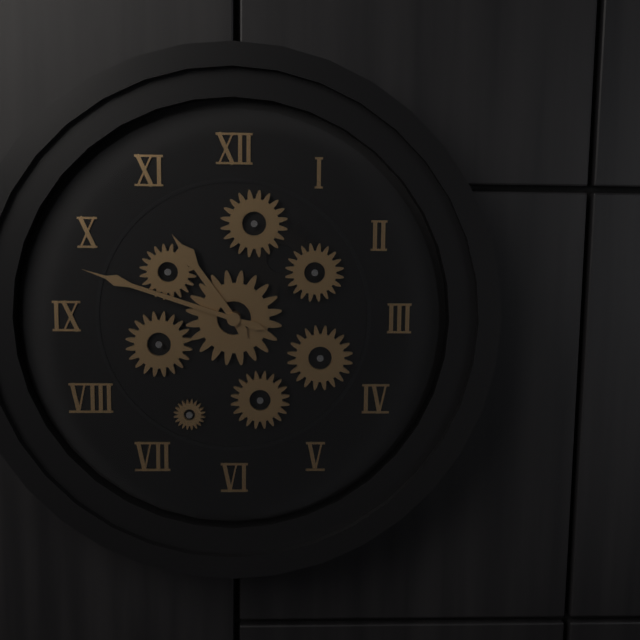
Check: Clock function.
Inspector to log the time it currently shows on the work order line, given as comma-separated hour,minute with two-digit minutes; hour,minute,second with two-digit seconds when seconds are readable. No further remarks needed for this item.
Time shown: 10,48
